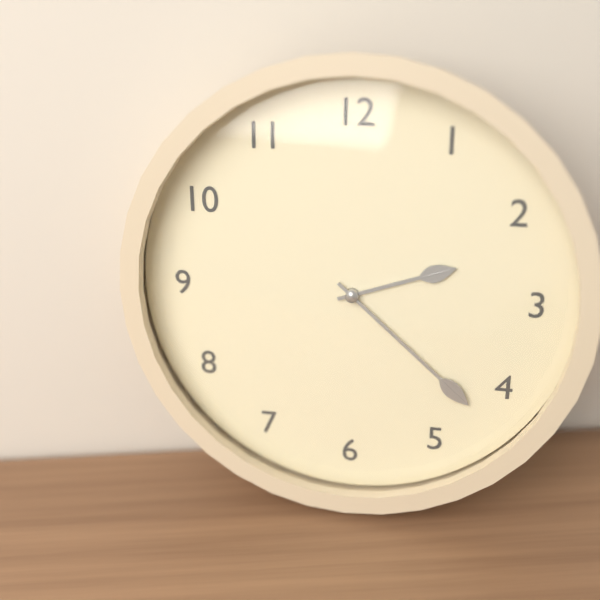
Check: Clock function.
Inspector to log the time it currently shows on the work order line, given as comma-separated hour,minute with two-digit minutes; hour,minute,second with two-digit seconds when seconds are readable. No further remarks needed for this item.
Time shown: 2,22
